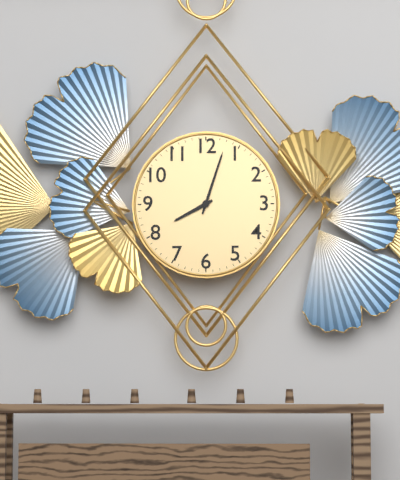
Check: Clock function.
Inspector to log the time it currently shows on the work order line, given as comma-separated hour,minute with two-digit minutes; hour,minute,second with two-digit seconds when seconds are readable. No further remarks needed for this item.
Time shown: 8,03
